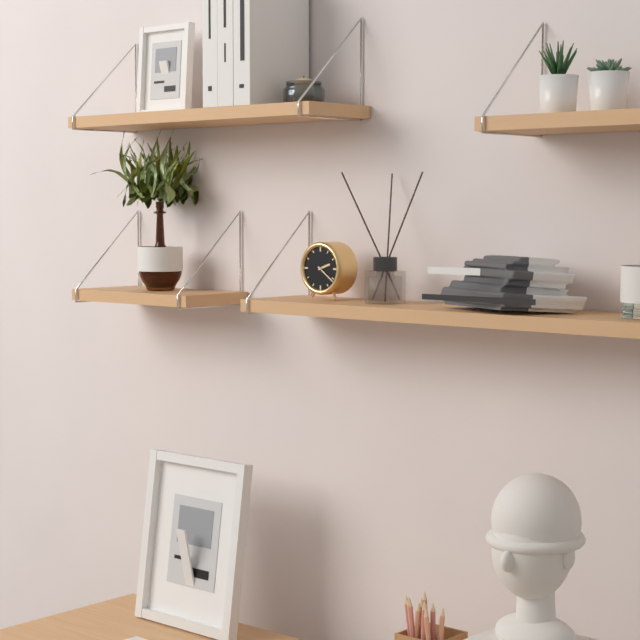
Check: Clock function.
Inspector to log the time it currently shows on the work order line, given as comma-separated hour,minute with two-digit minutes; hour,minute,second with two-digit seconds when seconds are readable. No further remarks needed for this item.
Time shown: 2,21
